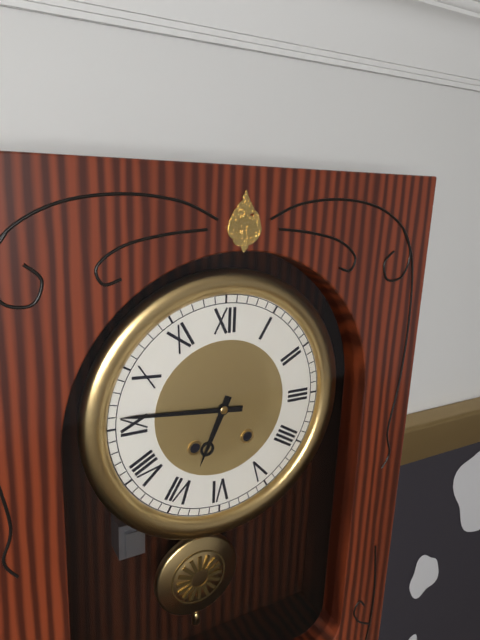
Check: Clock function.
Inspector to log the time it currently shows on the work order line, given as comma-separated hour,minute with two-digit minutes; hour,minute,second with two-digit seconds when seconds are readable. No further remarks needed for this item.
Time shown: 6,46
